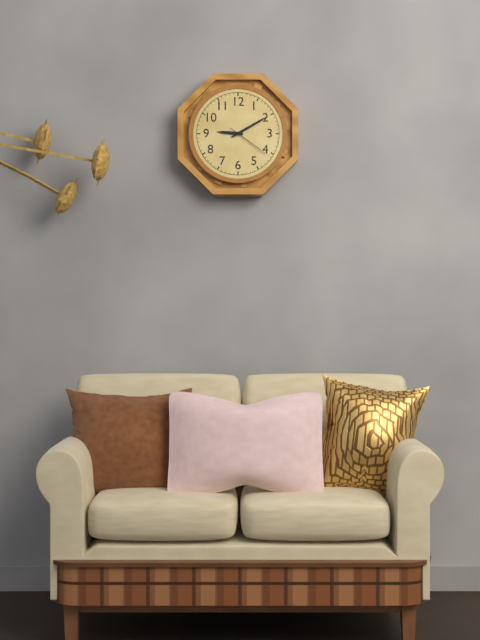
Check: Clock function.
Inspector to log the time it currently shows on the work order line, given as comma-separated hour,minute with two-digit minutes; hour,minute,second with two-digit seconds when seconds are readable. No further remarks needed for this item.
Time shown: 9,10
